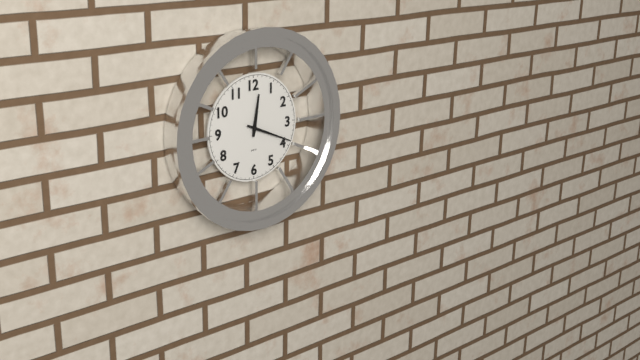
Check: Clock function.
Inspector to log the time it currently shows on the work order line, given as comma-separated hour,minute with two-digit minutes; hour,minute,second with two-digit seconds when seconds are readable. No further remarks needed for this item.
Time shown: 12,19
